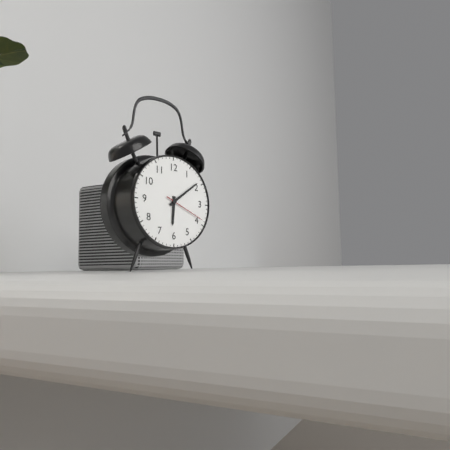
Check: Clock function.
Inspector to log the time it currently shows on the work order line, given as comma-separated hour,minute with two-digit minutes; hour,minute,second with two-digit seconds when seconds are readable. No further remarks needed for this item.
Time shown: 6,09
